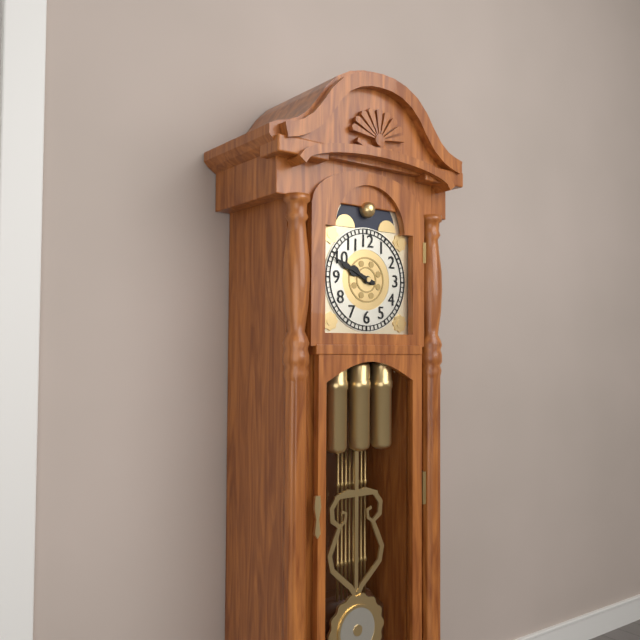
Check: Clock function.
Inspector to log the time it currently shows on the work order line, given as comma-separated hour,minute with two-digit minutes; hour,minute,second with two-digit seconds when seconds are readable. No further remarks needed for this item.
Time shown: 9,49
